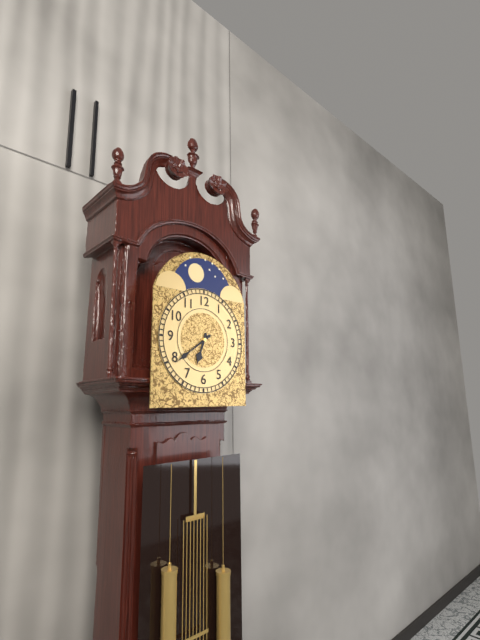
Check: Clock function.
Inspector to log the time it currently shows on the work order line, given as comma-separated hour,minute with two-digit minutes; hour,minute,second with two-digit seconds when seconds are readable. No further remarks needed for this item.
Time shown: 6,39
